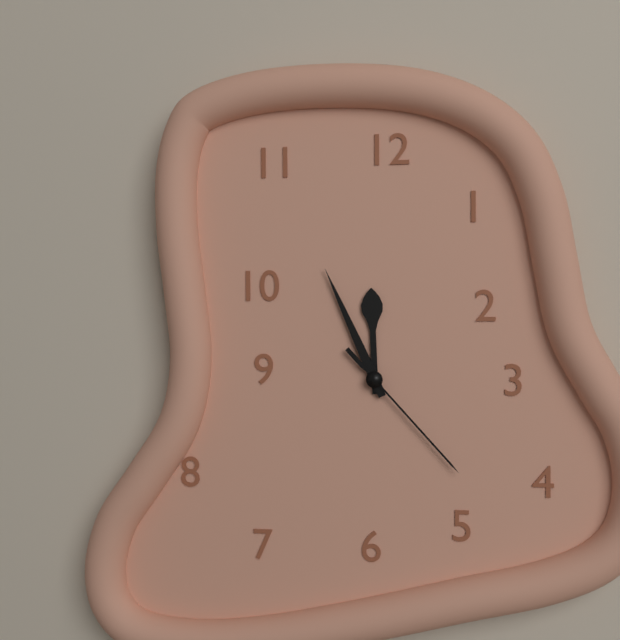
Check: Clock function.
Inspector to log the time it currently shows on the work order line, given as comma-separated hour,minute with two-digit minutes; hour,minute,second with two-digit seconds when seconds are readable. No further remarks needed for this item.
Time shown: 11,56,23
